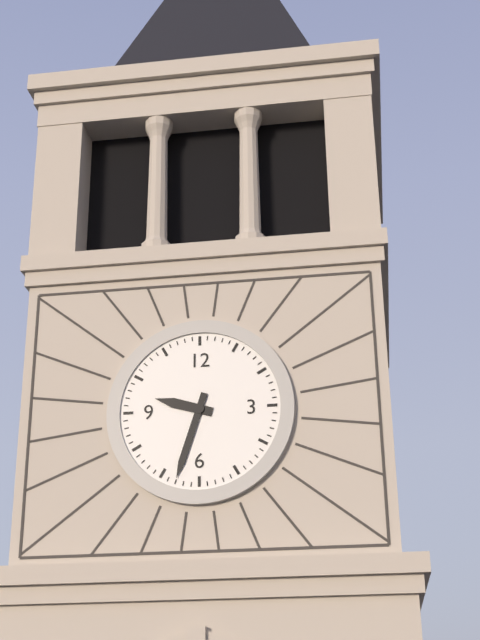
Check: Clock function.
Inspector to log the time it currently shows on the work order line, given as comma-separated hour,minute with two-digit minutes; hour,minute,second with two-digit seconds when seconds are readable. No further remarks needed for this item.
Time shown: 9,33
